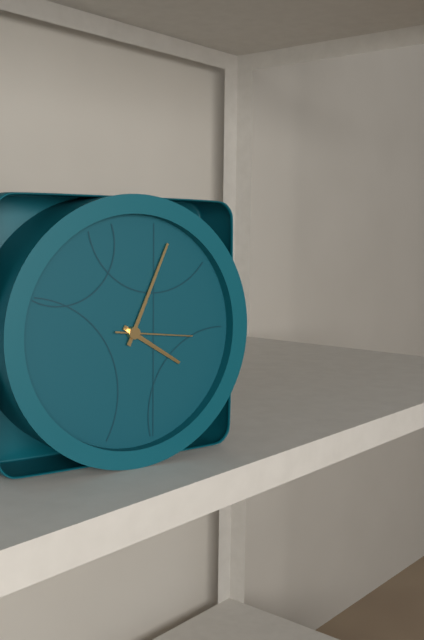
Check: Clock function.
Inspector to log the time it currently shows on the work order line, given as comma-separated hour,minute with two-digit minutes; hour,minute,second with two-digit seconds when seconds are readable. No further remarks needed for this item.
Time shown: 4,04,16
